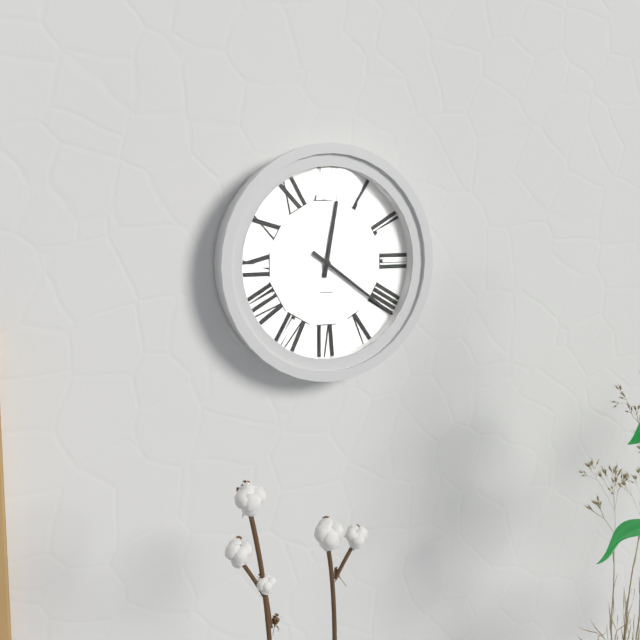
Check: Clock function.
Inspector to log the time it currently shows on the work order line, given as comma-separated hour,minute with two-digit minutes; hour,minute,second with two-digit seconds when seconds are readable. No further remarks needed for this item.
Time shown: 12,21
